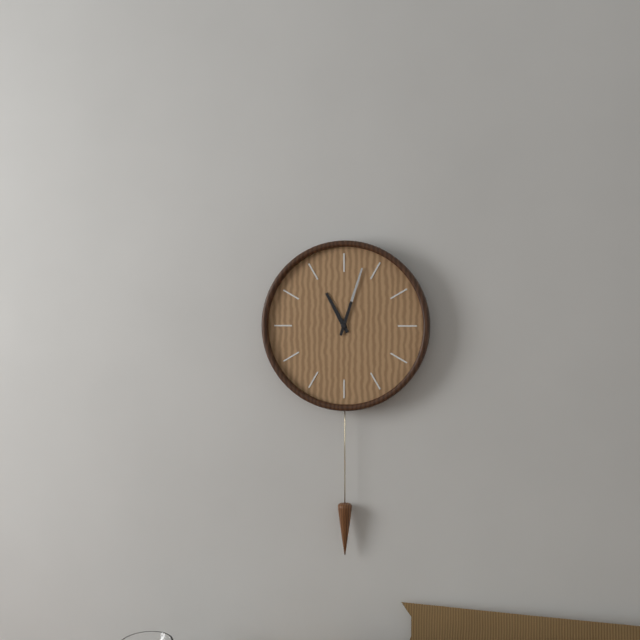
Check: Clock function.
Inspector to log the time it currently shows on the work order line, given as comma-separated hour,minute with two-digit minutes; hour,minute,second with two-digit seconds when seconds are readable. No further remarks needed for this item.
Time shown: 11,03
